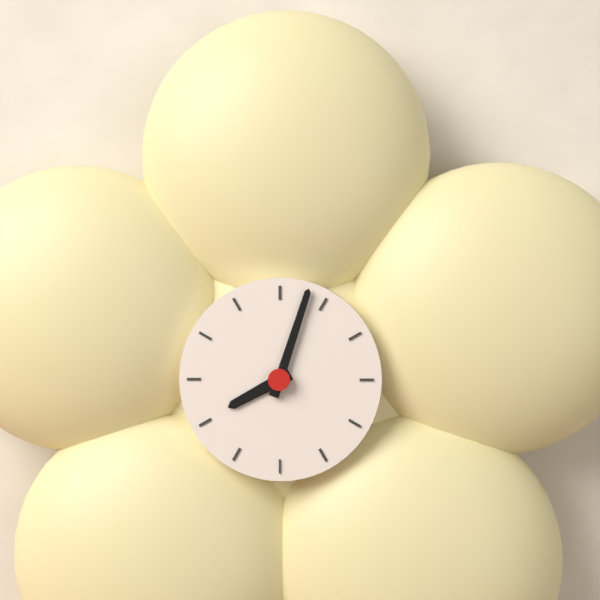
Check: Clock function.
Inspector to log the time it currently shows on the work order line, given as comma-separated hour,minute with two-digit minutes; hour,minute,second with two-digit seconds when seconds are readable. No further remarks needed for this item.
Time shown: 8,03
